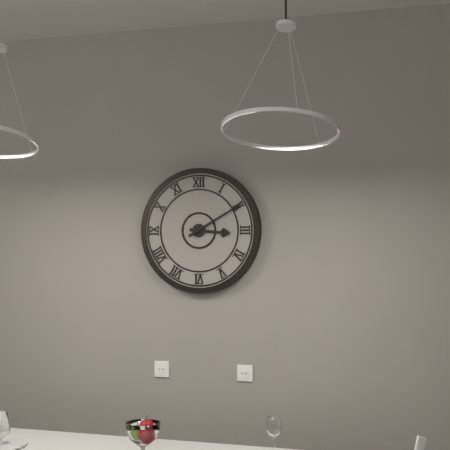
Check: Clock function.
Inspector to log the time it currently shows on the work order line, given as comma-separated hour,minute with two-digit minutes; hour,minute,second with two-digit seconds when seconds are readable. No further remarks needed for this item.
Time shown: 3,10
